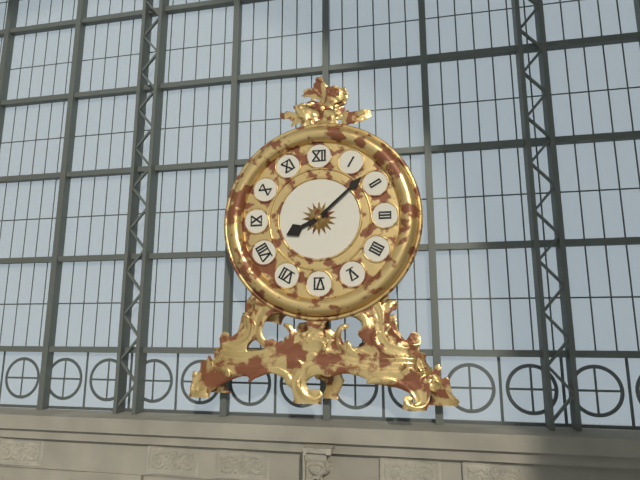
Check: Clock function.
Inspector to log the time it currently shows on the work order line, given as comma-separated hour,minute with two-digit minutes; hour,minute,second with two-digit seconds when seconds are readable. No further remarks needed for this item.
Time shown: 8,08
